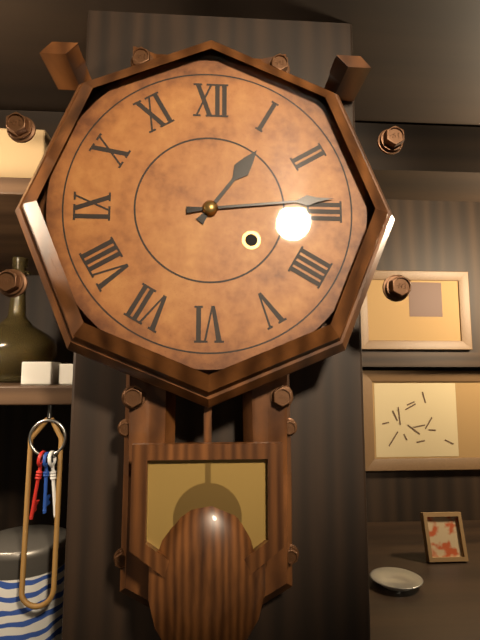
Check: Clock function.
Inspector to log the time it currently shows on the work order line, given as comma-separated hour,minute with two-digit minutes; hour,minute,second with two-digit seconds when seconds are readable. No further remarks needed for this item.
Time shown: 1,14
